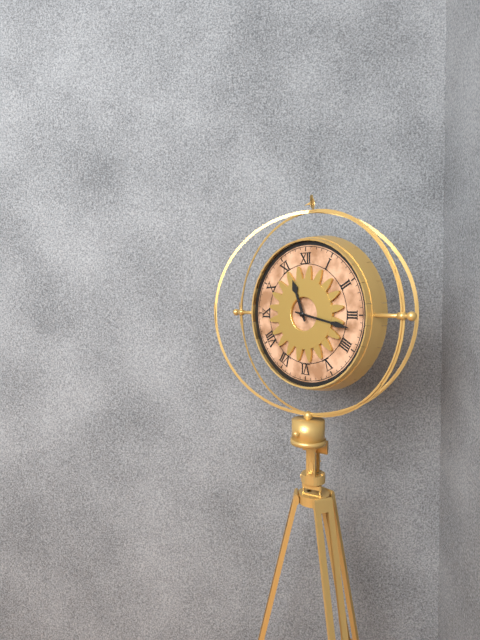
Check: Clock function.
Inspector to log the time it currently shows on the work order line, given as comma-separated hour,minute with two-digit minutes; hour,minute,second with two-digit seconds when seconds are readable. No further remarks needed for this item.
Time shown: 11,17
